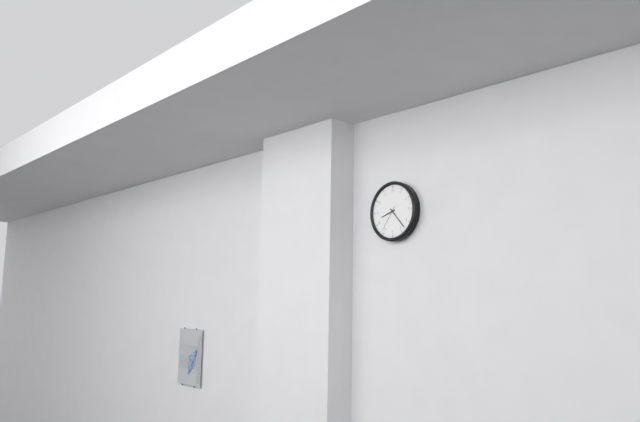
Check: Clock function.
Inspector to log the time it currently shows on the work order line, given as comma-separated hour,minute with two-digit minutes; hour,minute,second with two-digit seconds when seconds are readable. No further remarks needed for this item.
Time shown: 8,23
